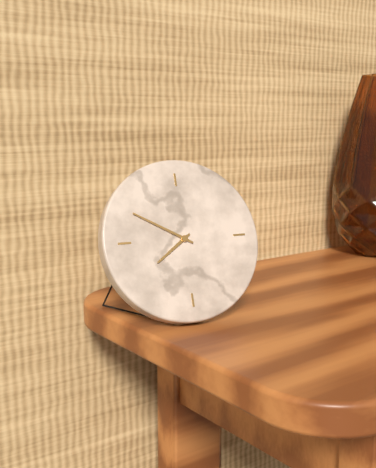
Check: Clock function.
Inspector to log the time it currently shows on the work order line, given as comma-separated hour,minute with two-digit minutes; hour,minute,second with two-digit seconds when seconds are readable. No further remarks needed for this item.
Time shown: 7,50
